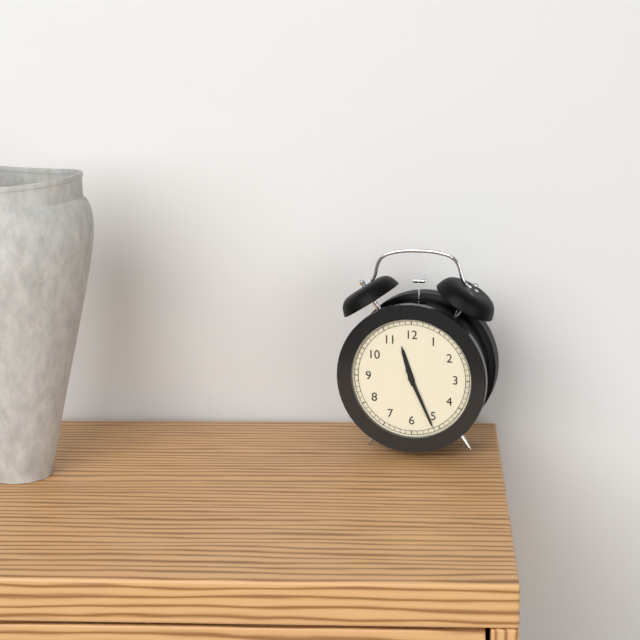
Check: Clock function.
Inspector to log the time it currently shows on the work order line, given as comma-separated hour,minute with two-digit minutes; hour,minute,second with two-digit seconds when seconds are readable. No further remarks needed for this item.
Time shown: 11,26
